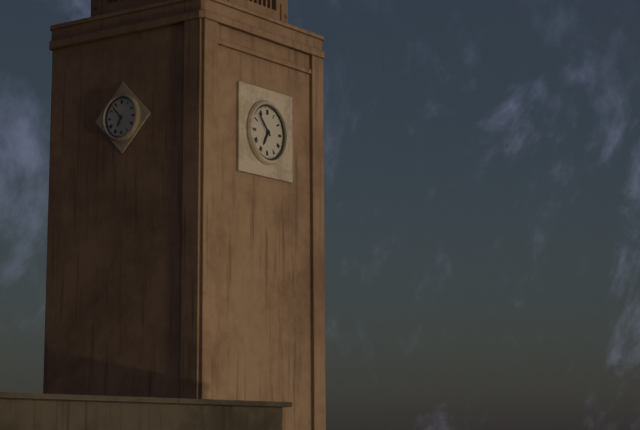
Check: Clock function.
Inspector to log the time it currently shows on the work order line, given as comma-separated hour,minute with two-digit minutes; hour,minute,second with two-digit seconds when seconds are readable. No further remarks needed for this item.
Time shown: 6,53
